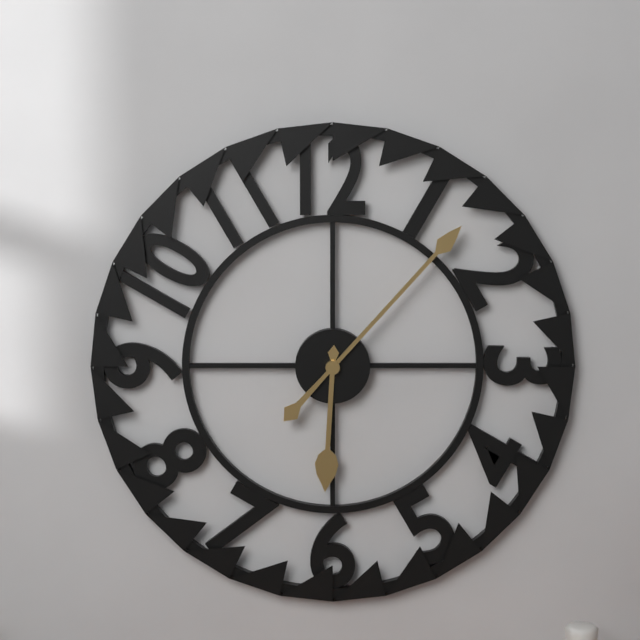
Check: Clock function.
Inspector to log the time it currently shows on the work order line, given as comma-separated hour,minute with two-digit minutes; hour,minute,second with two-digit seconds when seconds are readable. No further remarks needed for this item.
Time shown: 6,07
